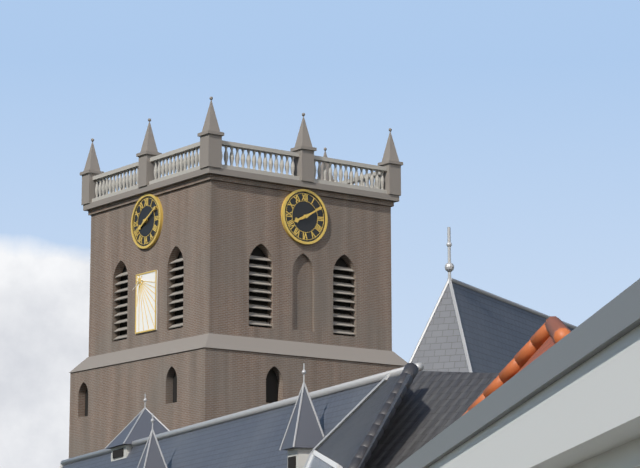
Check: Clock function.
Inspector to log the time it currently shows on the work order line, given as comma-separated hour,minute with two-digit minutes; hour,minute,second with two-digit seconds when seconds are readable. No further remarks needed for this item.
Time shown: 8,10
